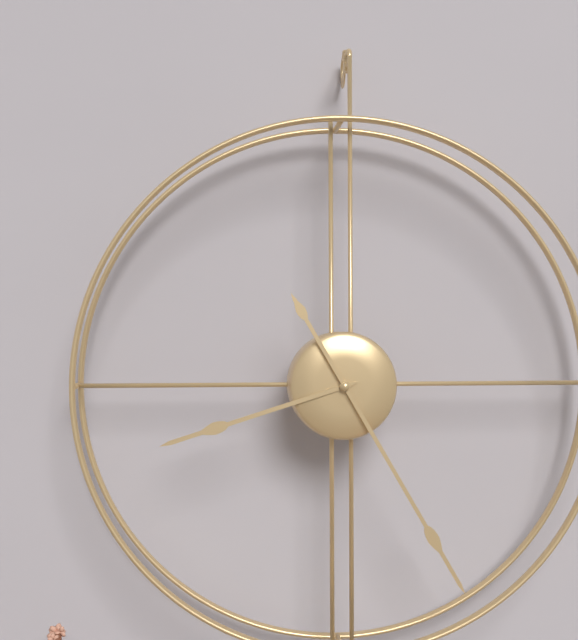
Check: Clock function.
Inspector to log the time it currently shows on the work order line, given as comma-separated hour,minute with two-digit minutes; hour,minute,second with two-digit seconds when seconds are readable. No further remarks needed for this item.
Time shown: 8,25
